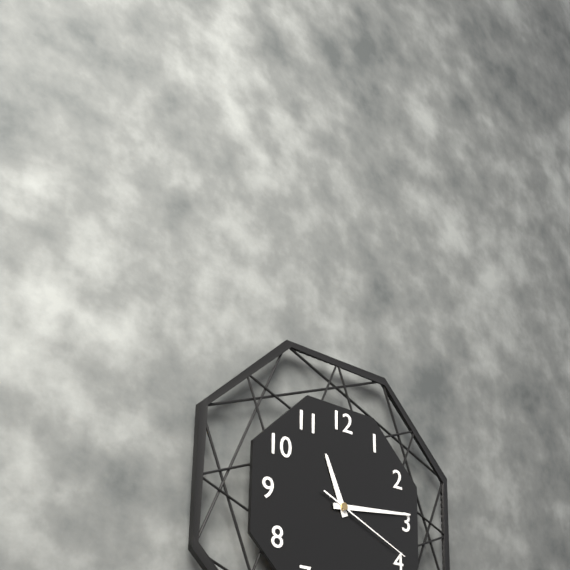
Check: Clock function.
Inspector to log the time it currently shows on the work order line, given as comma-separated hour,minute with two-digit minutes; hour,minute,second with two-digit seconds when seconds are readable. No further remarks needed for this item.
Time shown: 11,14,19
